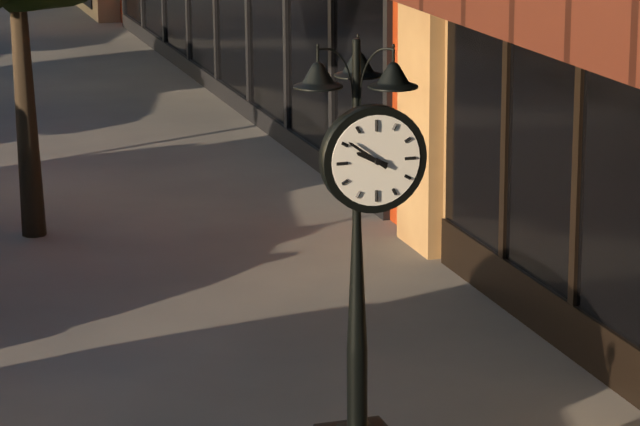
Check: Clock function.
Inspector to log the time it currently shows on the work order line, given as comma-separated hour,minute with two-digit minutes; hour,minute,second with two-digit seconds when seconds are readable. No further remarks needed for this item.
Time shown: 9,51
